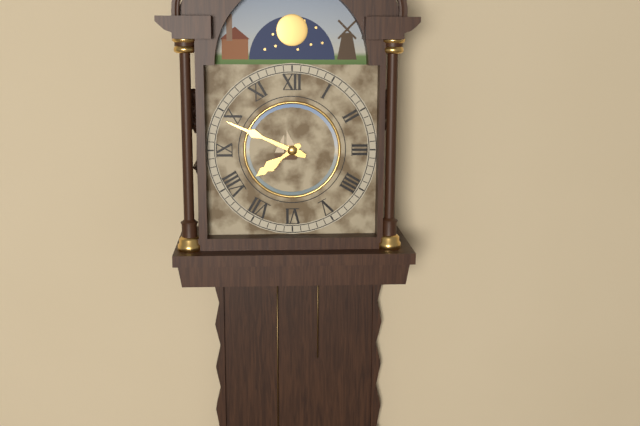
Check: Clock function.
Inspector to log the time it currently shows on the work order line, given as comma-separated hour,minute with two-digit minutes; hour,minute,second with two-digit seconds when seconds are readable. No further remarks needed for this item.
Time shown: 7,49
